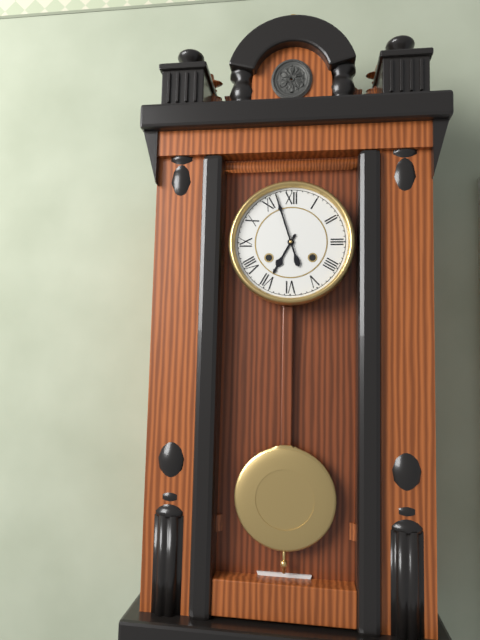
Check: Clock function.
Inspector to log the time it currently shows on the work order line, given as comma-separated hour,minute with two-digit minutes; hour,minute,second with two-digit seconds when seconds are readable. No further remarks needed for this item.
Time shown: 6,57
